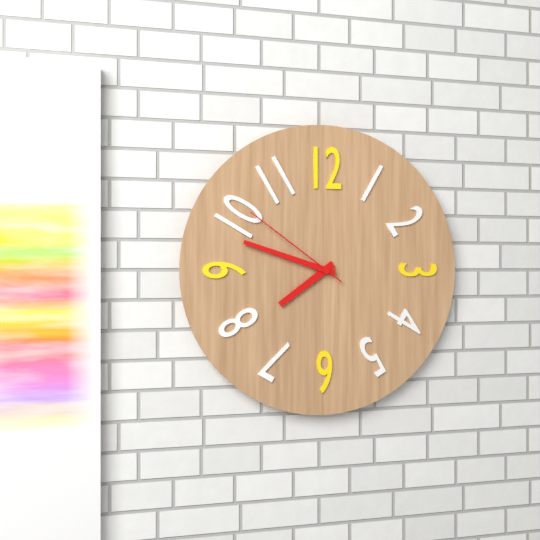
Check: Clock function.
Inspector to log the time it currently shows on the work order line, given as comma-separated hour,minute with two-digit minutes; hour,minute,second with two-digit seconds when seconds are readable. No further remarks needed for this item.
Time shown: 7,48,51
